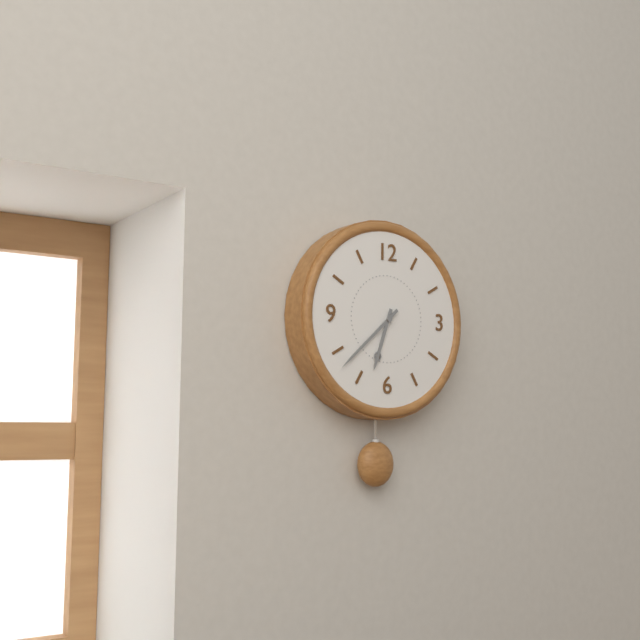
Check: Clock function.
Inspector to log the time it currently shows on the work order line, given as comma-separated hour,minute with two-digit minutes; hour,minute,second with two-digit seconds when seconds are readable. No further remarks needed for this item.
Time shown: 6,38
